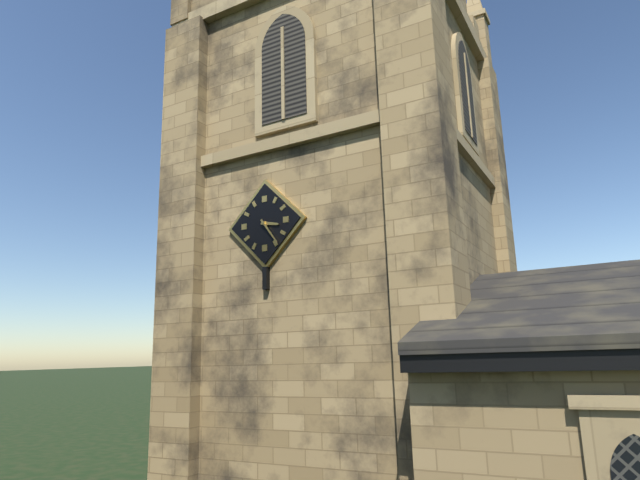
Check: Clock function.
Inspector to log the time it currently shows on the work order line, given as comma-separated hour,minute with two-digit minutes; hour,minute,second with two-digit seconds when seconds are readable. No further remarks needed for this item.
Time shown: 3,24
